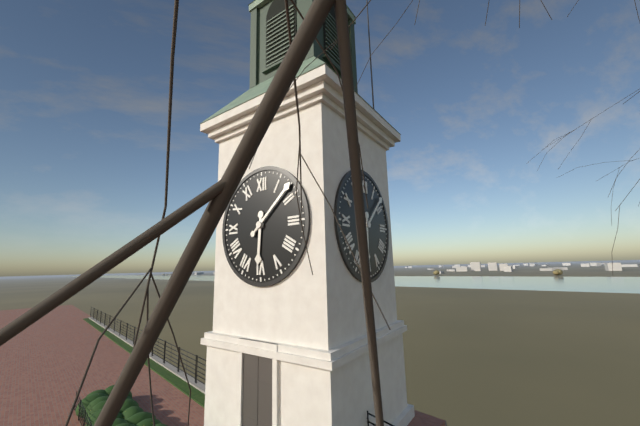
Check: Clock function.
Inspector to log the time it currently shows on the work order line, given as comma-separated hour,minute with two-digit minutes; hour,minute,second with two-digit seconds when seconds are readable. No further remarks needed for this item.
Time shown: 6,08
